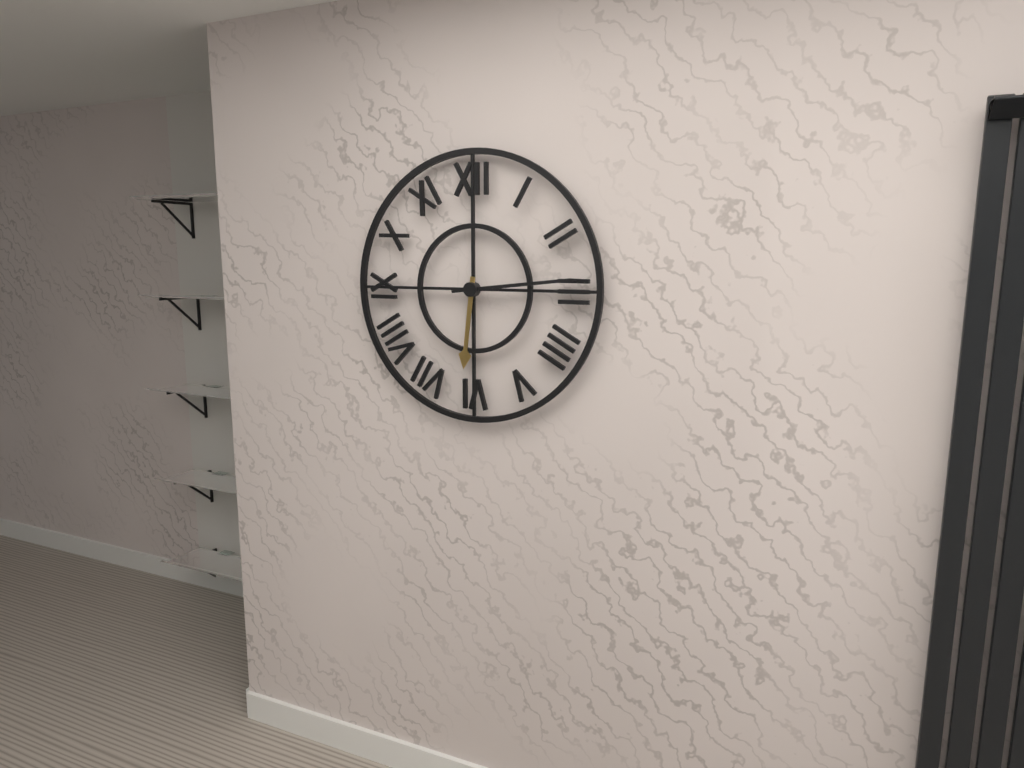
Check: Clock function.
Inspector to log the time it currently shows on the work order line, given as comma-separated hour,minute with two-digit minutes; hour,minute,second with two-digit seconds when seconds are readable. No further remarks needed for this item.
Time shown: 6,14
